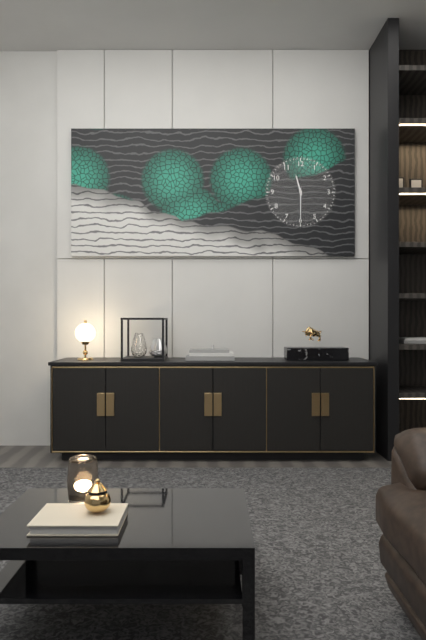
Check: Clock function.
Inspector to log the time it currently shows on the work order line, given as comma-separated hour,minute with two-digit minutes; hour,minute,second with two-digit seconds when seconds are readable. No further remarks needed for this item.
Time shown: 11,30
